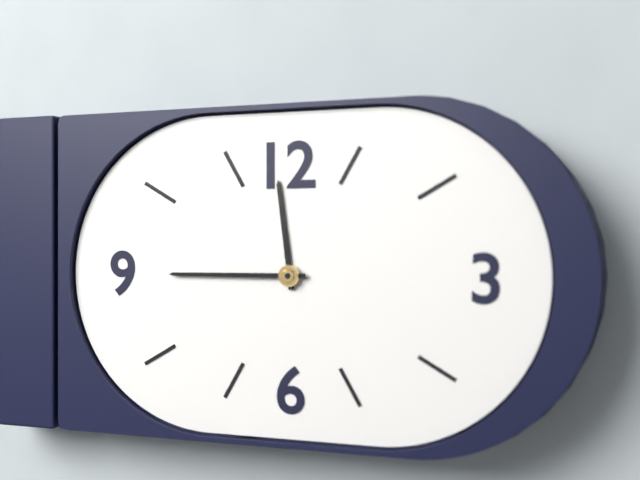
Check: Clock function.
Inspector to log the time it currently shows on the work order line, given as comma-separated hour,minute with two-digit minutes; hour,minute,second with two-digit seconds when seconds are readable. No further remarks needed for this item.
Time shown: 11,45
